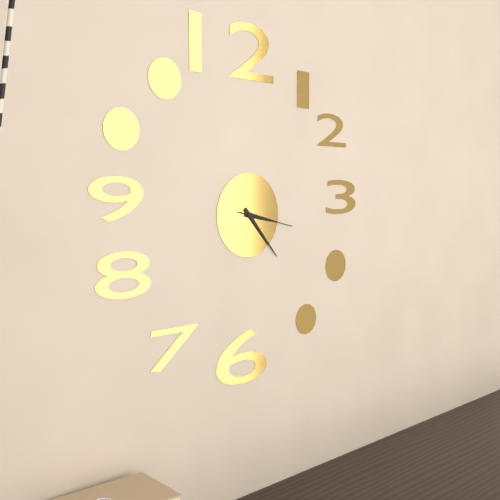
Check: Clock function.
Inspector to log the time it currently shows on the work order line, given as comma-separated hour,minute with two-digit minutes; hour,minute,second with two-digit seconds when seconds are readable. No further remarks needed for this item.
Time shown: 3,23,17
